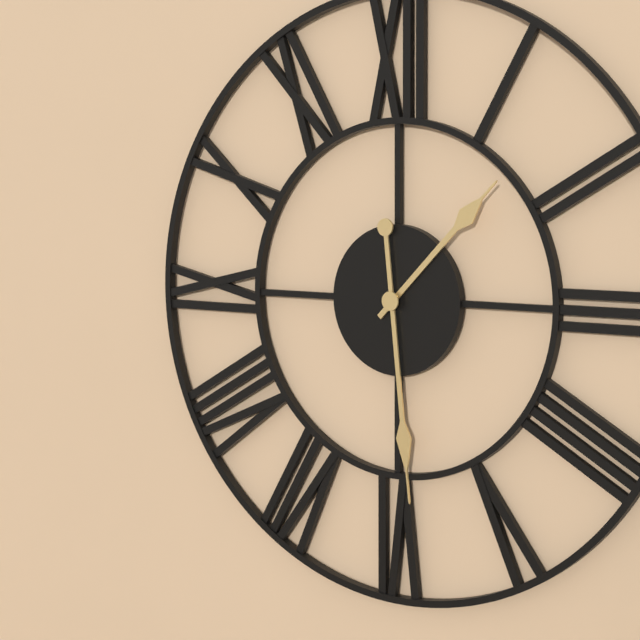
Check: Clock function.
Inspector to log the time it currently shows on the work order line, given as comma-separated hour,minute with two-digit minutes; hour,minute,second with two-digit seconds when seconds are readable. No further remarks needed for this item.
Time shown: 1,29
